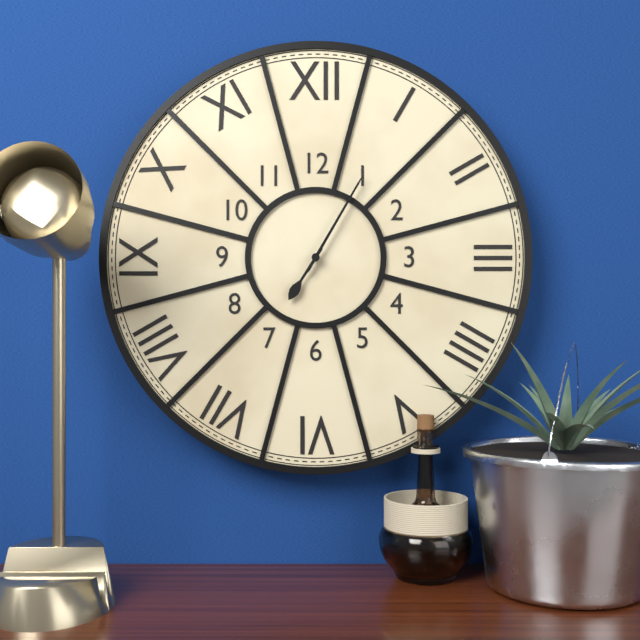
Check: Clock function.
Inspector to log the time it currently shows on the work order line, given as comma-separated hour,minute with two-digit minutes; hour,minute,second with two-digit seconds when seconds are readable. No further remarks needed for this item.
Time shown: 7,05
